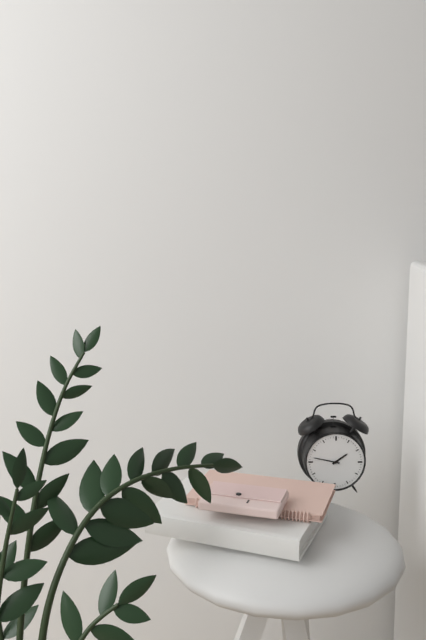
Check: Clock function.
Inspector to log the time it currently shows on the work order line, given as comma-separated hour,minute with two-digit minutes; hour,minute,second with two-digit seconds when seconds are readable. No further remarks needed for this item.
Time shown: 1,47
